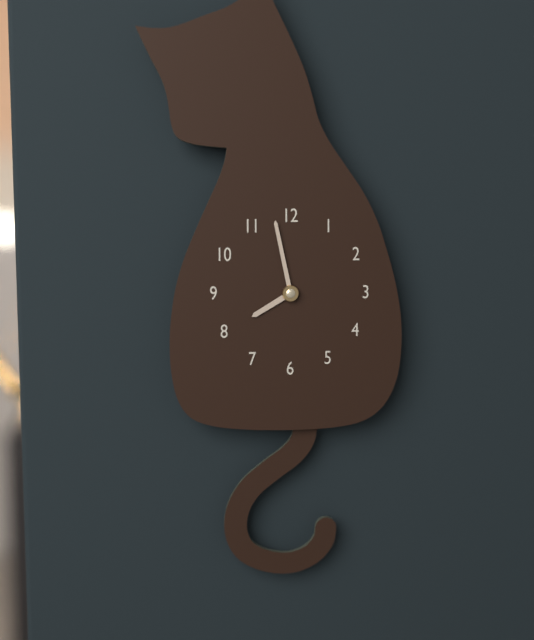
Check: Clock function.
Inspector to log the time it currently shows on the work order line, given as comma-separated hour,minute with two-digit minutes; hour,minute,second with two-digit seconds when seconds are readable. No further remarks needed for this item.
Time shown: 7,58
